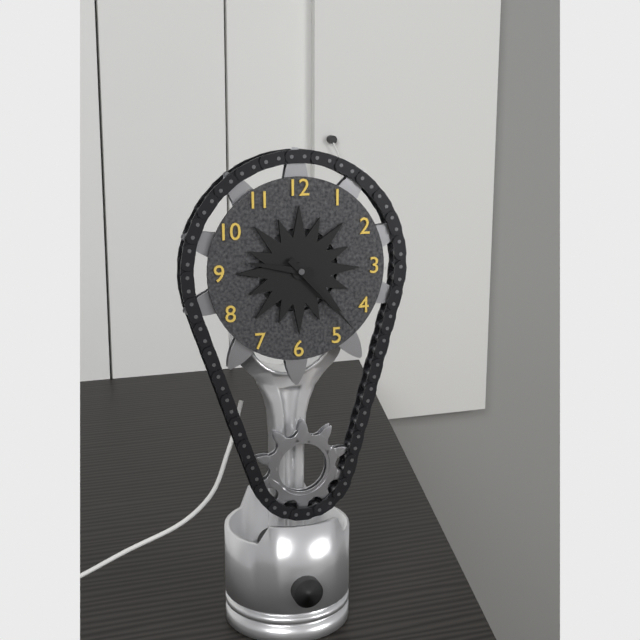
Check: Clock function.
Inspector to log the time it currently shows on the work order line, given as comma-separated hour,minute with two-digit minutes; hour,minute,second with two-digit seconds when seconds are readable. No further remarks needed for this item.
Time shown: 9,23
